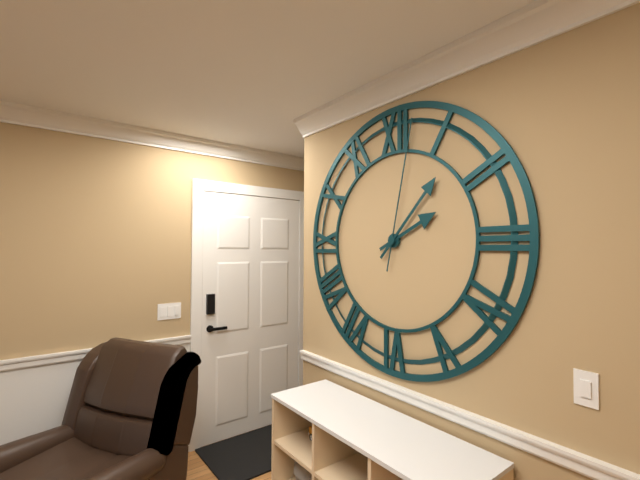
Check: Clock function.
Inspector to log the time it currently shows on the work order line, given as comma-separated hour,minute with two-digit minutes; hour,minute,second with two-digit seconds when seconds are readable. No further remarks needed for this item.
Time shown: 2,07,02
